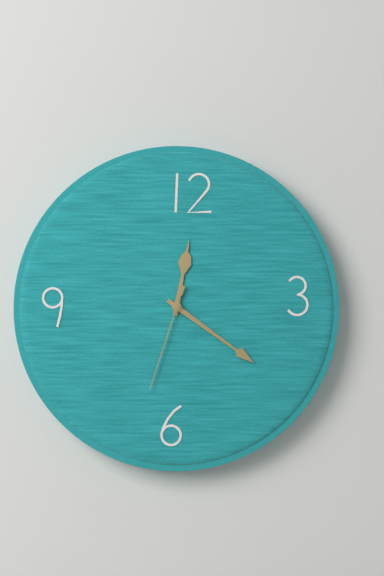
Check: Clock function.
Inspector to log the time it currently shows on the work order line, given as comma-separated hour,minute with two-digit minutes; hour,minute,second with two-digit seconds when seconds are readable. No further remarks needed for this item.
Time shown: 12,21,33
